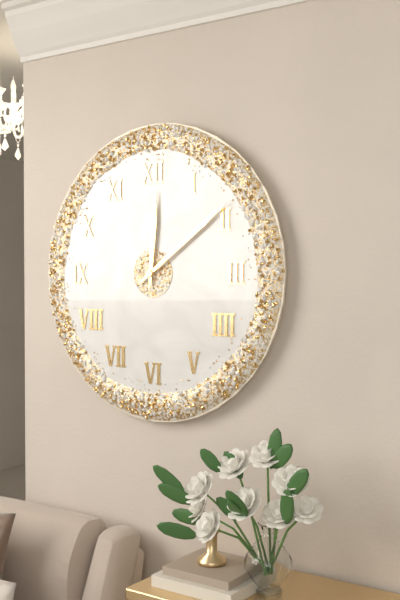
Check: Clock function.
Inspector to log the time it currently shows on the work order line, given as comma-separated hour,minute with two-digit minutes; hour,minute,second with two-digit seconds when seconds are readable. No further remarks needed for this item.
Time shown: 12,09
